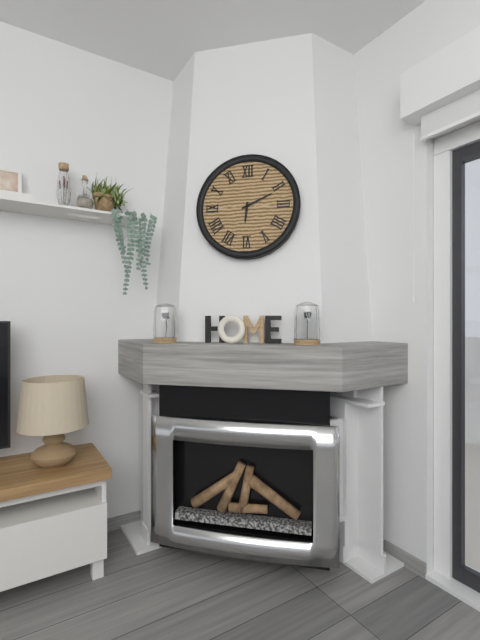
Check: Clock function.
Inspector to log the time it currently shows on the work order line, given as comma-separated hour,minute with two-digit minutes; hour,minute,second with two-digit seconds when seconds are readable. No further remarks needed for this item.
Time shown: 6,11
